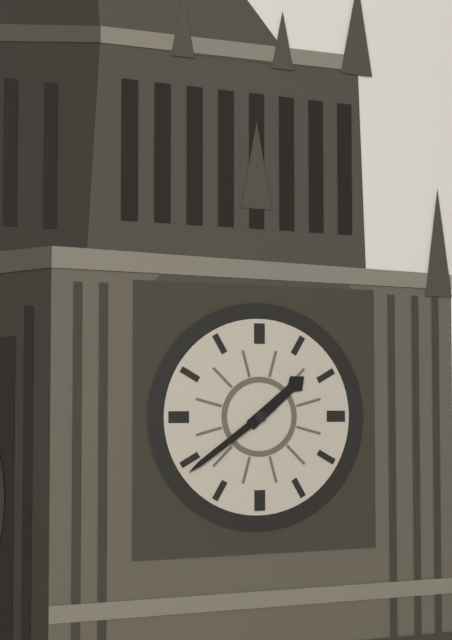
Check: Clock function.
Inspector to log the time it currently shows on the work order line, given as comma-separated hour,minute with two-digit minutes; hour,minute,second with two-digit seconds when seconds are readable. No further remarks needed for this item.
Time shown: 1,39
